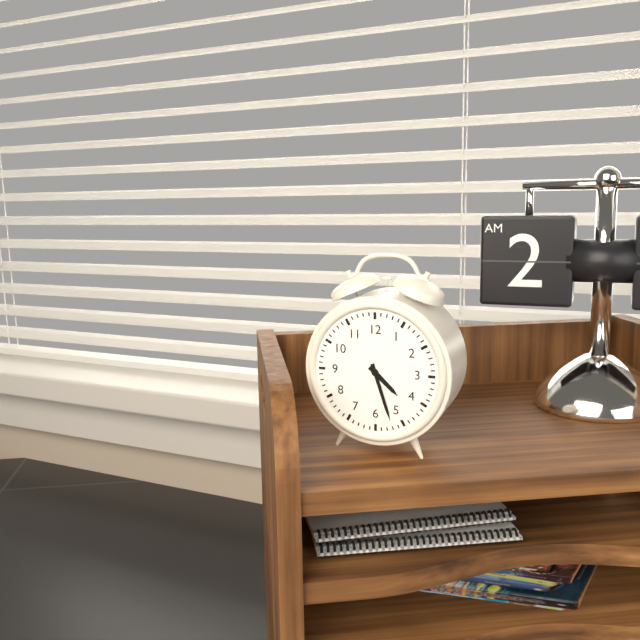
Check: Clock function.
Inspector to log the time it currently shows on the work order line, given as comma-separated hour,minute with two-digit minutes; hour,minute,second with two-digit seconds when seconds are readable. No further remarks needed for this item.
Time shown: 4,27
